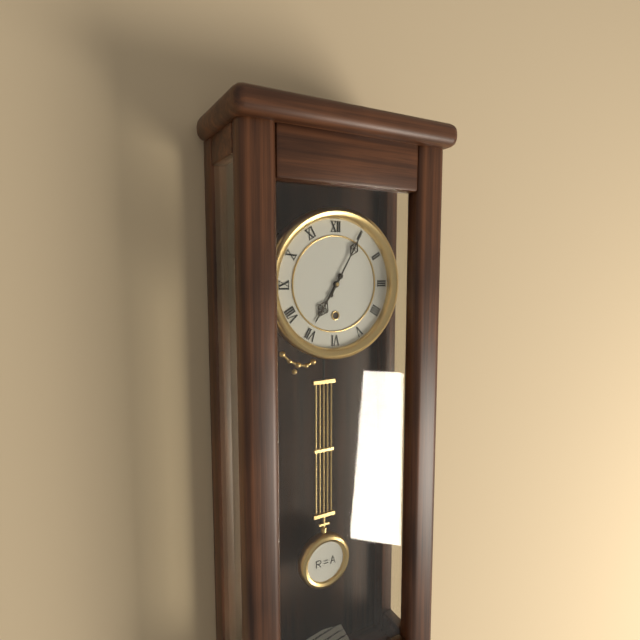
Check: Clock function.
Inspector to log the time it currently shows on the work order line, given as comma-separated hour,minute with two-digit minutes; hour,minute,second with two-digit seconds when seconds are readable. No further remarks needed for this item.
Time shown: 7,05
